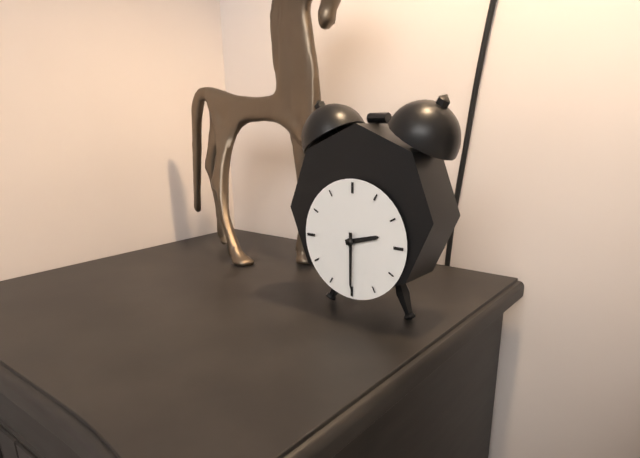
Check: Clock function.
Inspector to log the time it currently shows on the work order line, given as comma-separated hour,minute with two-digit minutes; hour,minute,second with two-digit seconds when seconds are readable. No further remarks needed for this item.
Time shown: 2,30
